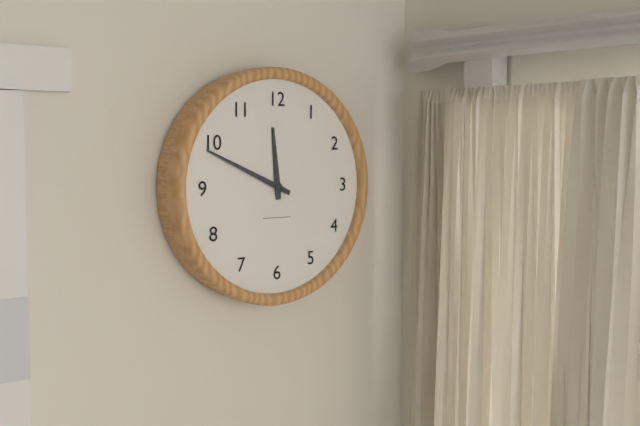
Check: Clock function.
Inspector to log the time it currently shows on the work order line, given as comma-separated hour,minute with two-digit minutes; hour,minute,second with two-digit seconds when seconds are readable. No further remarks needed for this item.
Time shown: 11,49
